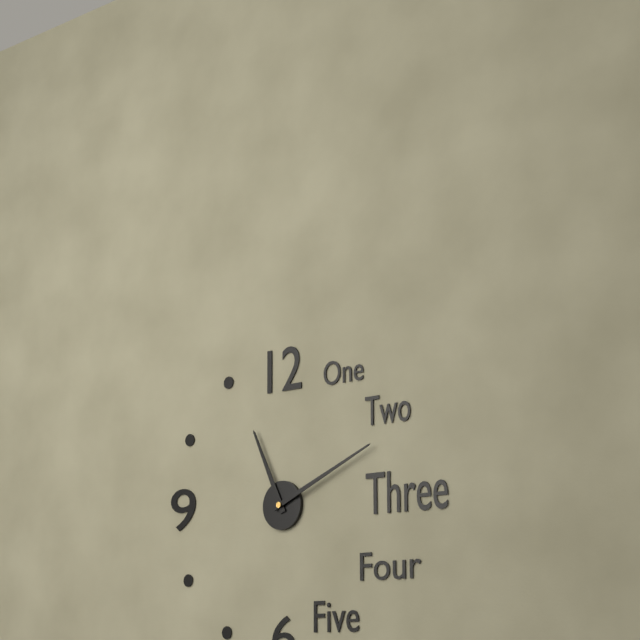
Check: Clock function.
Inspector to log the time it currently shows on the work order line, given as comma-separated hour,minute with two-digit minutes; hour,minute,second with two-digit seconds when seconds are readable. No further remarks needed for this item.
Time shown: 11,11
